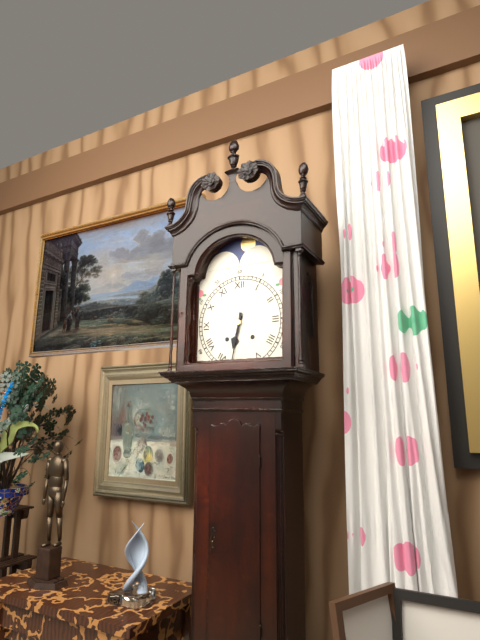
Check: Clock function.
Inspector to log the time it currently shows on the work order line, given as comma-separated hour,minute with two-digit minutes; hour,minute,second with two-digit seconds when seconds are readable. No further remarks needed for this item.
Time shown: 6,32
